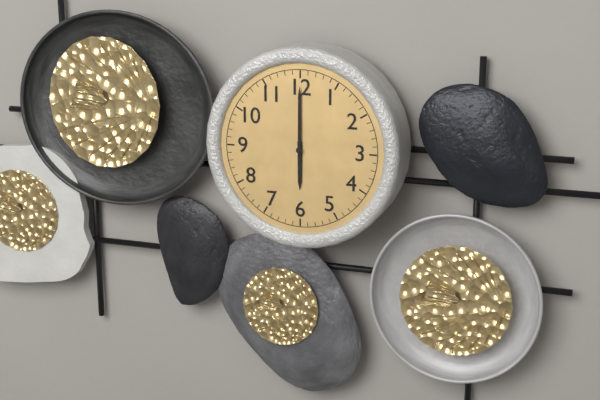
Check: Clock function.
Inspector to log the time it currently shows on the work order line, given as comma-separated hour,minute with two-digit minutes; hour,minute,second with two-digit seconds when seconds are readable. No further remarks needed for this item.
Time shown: 6,00
